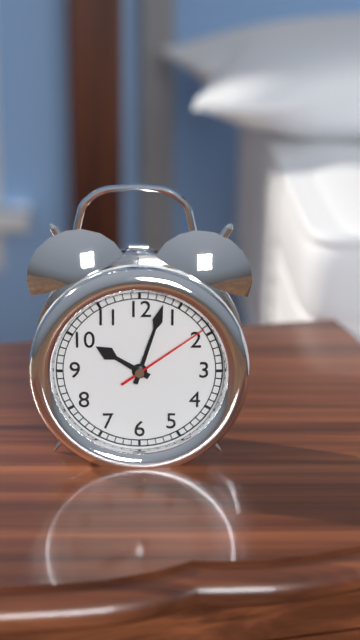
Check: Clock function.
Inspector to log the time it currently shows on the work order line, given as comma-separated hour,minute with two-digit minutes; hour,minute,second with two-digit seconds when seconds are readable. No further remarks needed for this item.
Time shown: 10,03,09
